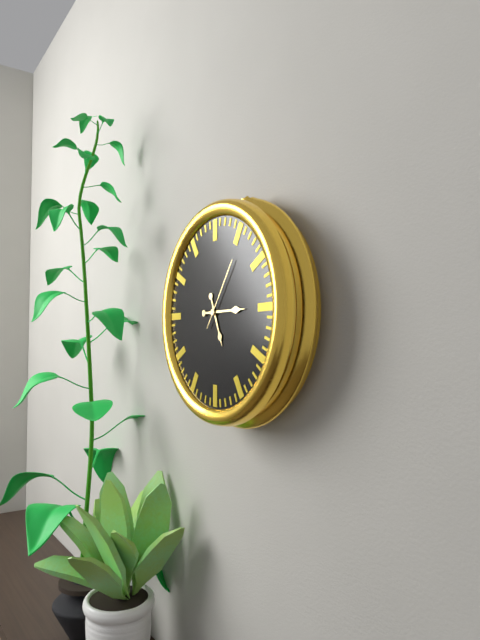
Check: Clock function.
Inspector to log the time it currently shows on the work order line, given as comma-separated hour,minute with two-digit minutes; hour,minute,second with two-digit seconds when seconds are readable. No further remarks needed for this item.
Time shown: 5,15,06
